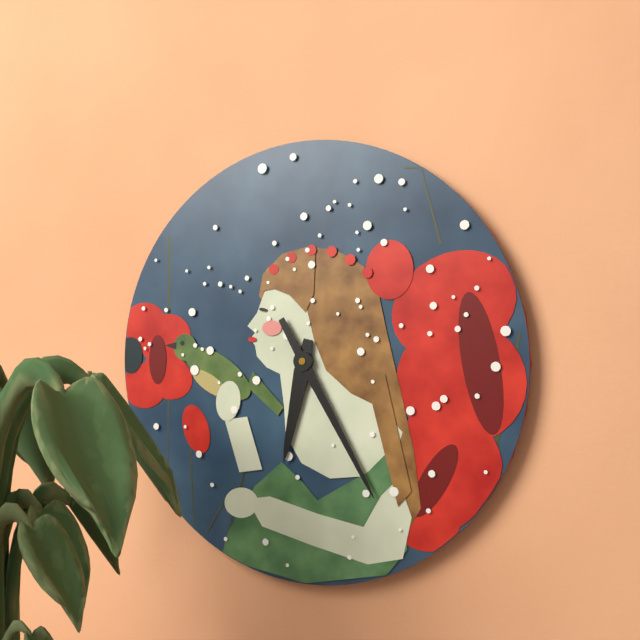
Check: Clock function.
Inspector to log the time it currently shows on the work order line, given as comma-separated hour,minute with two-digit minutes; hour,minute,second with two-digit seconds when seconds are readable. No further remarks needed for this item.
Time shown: 6,25
